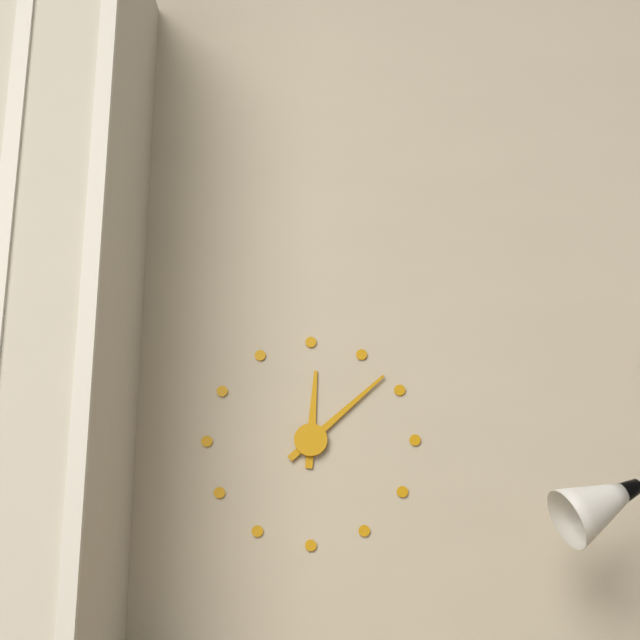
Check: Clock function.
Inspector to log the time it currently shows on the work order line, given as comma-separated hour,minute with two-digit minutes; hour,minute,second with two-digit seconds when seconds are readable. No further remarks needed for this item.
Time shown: 12,08
